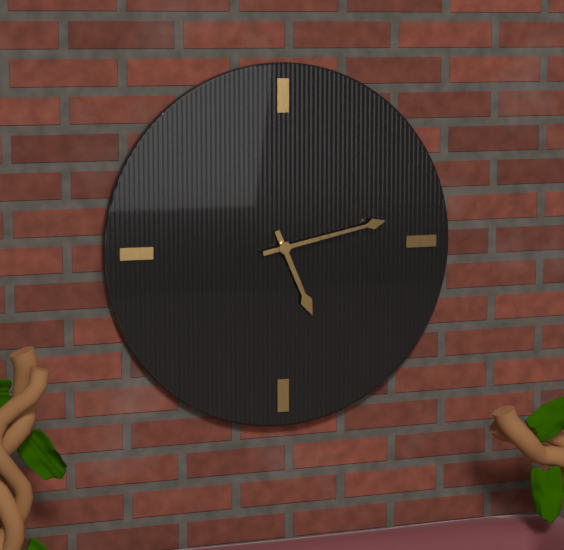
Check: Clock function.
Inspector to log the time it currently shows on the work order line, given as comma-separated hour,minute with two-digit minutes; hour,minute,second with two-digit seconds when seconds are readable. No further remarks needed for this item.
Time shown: 5,13
